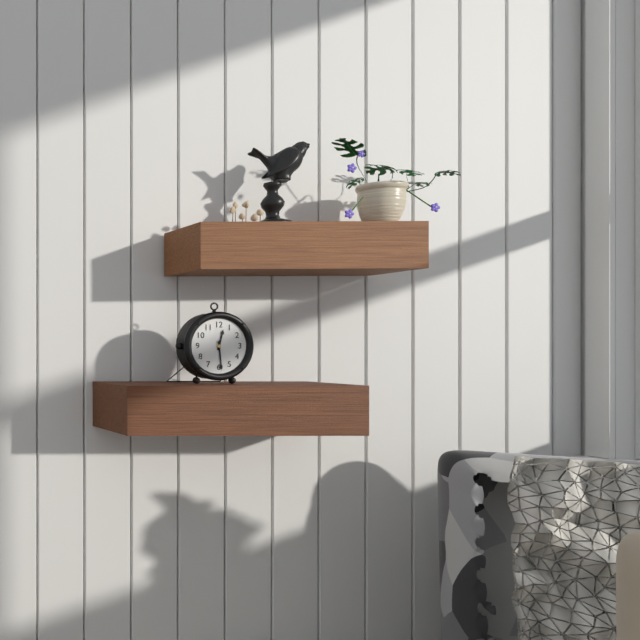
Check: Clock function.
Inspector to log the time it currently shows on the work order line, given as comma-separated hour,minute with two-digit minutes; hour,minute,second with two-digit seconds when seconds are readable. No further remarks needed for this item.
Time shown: 12,29
